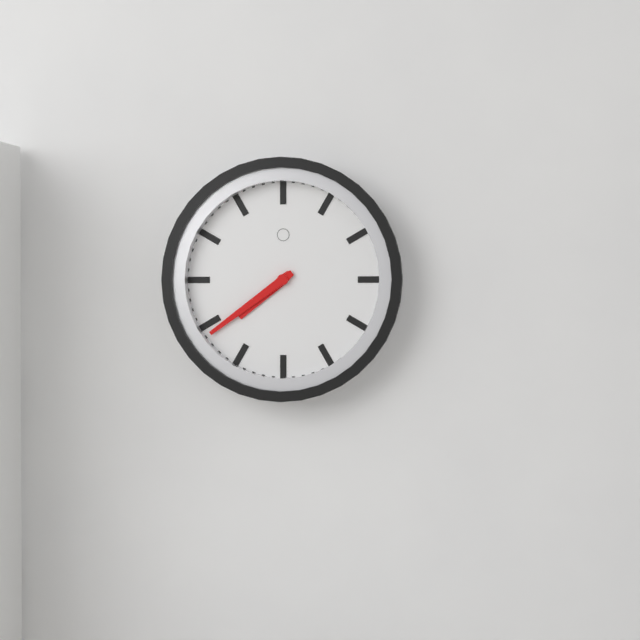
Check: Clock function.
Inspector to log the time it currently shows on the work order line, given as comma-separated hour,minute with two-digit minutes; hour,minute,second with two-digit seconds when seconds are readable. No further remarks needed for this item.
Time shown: 7,39
